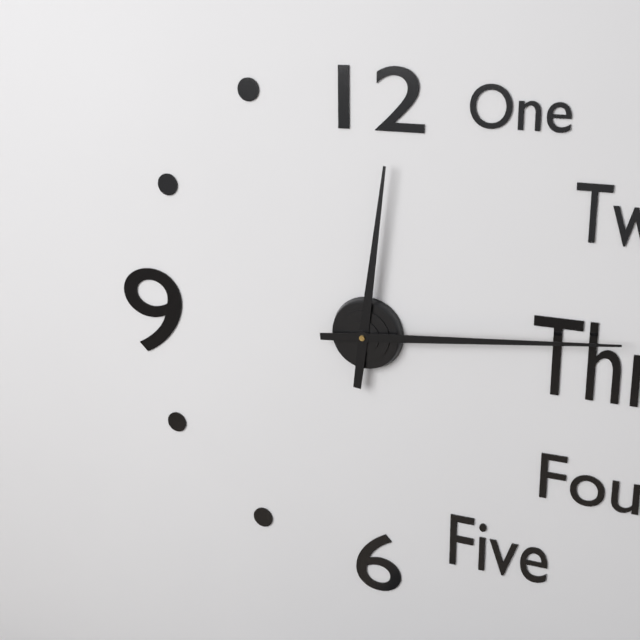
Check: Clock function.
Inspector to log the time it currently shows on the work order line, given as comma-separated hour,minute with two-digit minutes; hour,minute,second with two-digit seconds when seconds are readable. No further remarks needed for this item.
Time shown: 12,14
